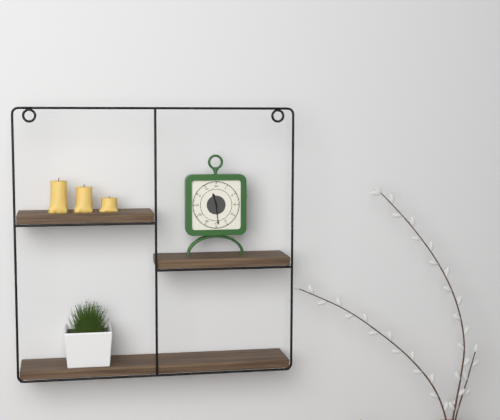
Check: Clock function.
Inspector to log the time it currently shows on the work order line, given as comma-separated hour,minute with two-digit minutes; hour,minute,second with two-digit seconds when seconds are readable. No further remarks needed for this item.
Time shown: 11,29
